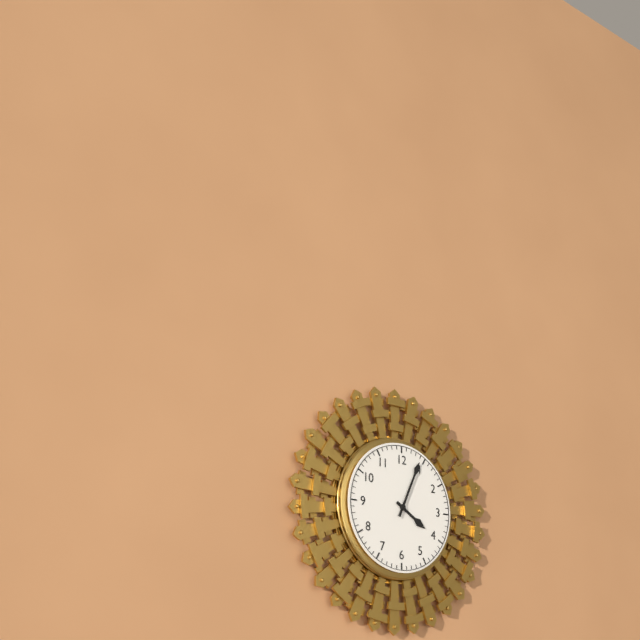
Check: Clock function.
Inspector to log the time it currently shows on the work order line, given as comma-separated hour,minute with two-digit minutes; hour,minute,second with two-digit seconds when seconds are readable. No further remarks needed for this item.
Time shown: 4,04
